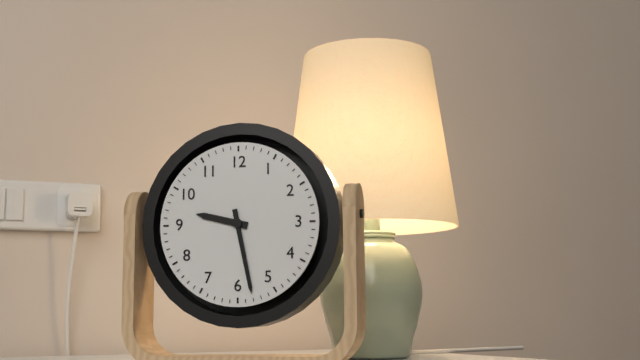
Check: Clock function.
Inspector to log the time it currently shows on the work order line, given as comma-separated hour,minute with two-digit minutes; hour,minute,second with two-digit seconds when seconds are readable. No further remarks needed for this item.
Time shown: 9,28
